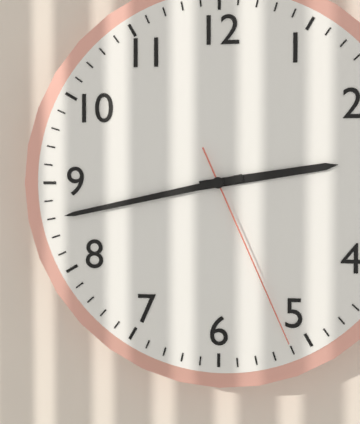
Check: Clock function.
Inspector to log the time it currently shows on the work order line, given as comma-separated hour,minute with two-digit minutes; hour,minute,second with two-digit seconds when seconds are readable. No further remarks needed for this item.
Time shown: 2,43,26
